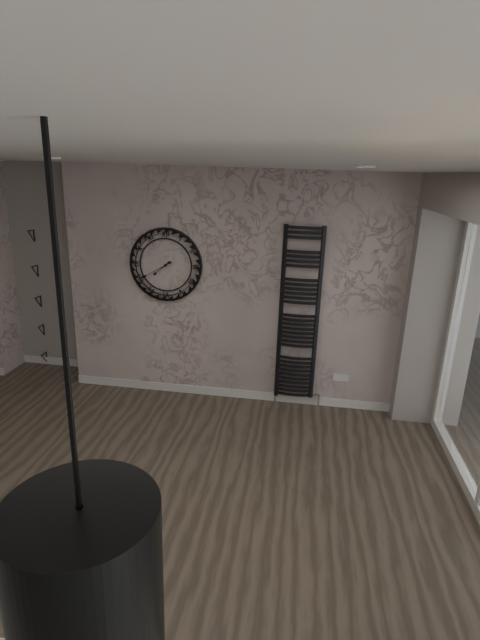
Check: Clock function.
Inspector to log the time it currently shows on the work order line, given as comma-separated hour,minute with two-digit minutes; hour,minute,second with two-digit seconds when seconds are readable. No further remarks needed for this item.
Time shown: 7,40
